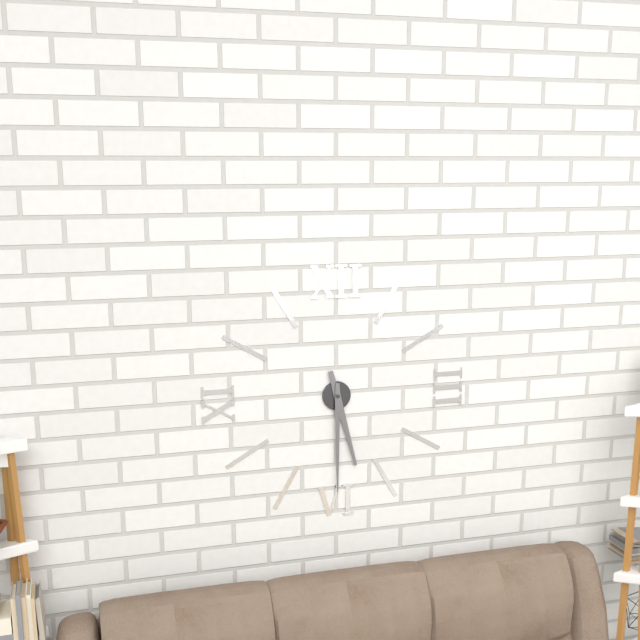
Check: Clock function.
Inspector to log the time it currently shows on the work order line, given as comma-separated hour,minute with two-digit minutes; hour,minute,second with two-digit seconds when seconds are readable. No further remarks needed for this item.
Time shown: 5,30
